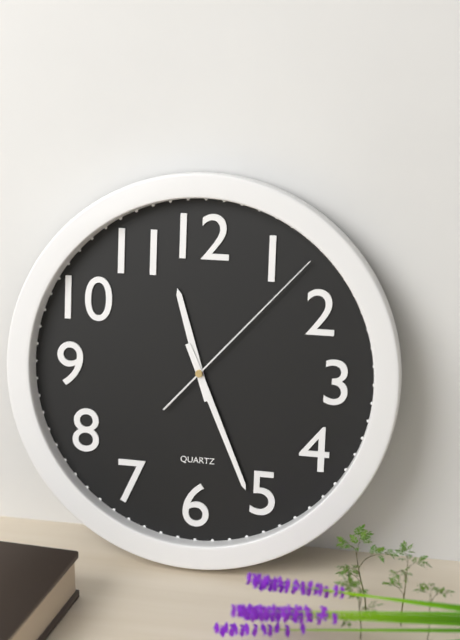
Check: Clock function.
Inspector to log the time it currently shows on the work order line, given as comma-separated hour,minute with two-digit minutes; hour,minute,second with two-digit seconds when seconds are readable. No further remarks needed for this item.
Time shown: 11,26,07
